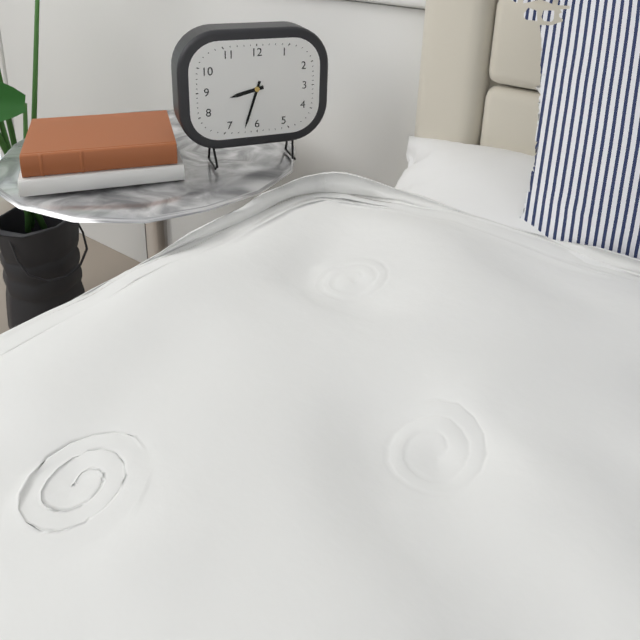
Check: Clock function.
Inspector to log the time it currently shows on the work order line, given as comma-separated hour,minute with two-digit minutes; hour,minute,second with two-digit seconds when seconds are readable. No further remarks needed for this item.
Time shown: 8,33
